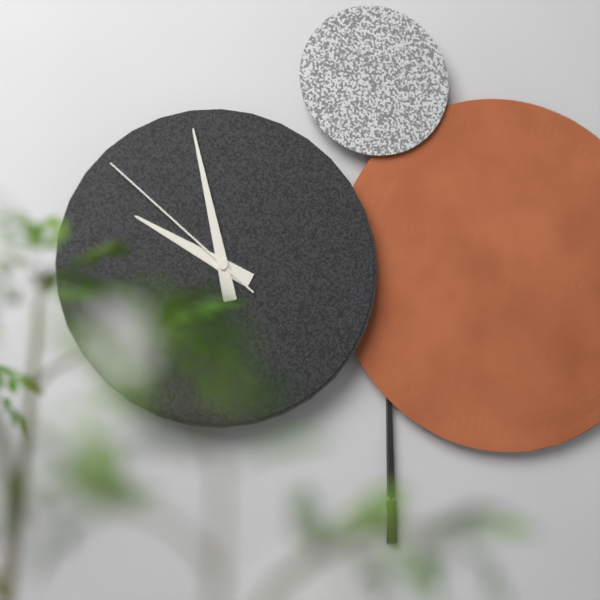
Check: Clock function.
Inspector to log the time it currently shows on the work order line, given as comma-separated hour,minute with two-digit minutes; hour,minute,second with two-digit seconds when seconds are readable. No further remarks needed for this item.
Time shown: 9,58,52
